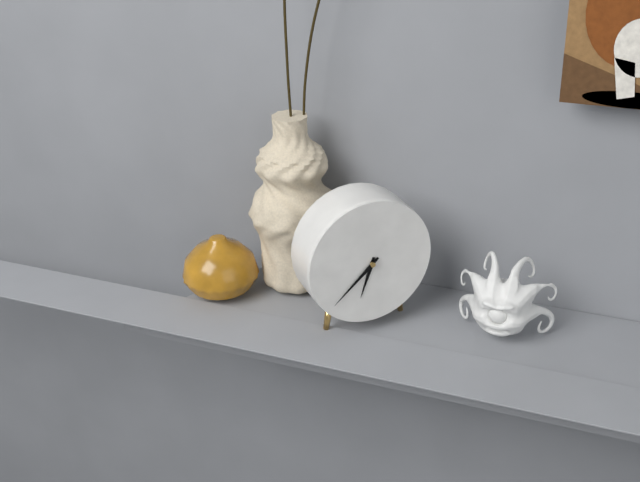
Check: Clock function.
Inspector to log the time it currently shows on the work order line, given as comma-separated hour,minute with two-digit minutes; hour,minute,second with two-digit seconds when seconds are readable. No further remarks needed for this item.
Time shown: 6,38
